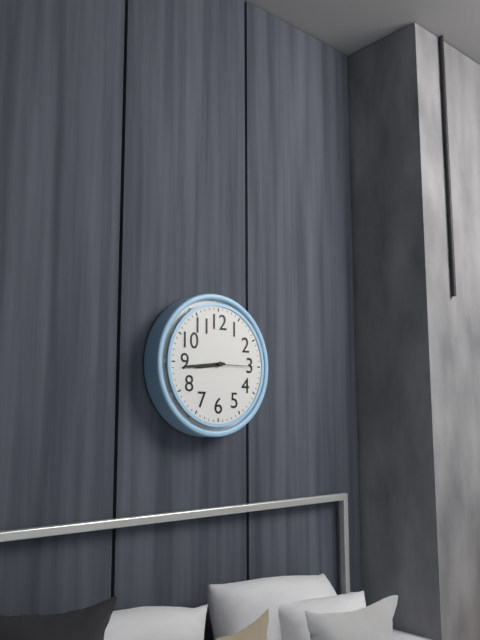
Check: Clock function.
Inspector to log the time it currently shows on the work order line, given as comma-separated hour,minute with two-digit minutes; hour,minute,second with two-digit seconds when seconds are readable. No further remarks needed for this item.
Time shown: 8,44
